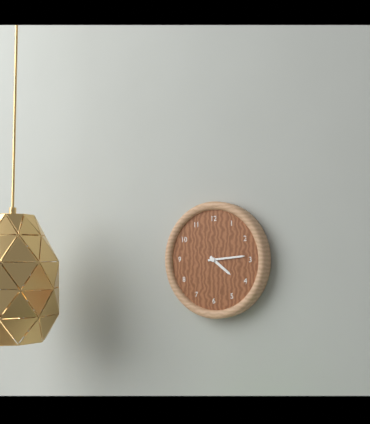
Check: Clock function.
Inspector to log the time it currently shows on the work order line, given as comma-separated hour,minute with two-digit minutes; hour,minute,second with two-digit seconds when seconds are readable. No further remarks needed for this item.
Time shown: 4,14
